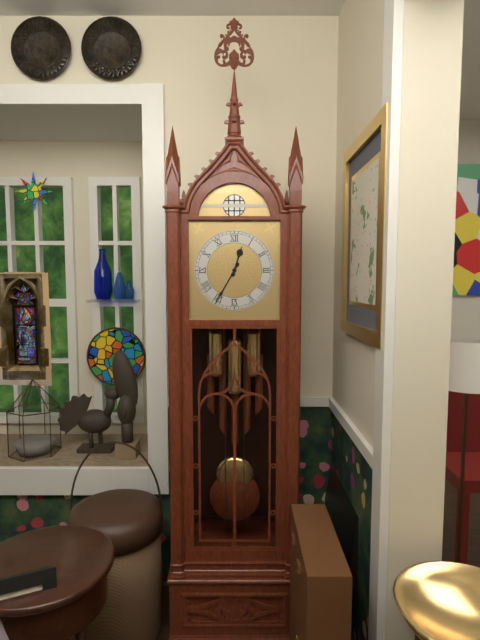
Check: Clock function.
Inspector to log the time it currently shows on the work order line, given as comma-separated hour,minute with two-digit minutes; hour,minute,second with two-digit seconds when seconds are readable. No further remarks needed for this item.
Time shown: 12,35
